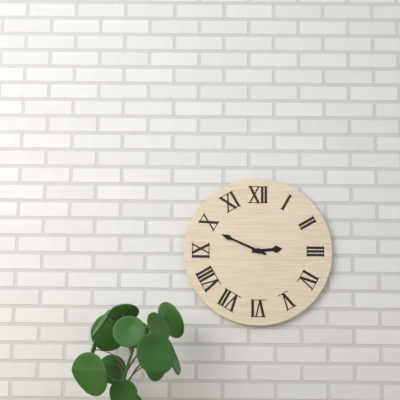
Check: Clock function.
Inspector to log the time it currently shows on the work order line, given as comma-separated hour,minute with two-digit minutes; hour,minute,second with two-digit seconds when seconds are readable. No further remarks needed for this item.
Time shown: 2,49
